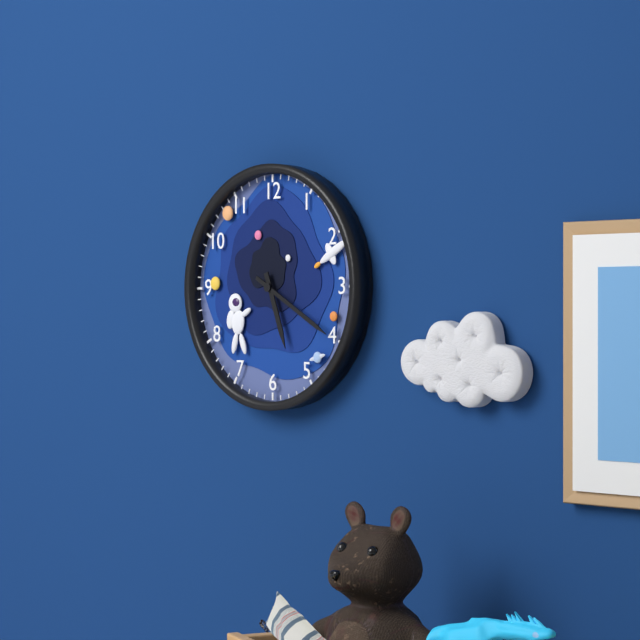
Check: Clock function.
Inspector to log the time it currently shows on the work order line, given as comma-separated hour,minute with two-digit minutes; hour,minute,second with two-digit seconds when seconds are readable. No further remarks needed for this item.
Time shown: 5,20
